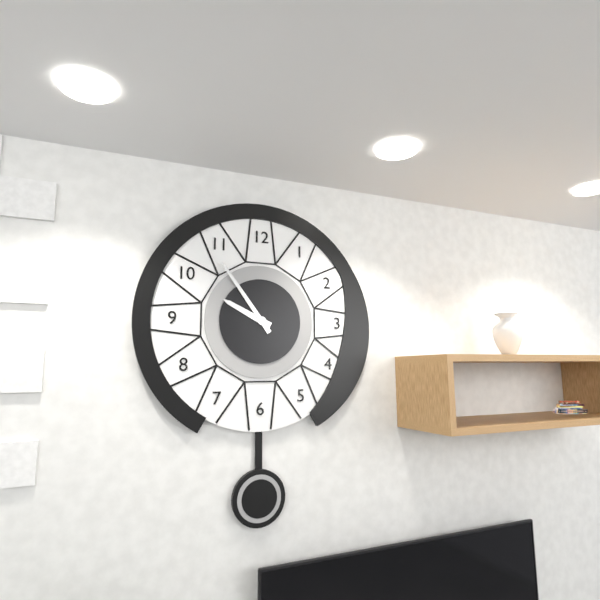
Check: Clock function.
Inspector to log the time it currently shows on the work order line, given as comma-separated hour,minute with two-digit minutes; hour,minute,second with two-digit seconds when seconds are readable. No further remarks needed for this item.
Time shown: 9,54
